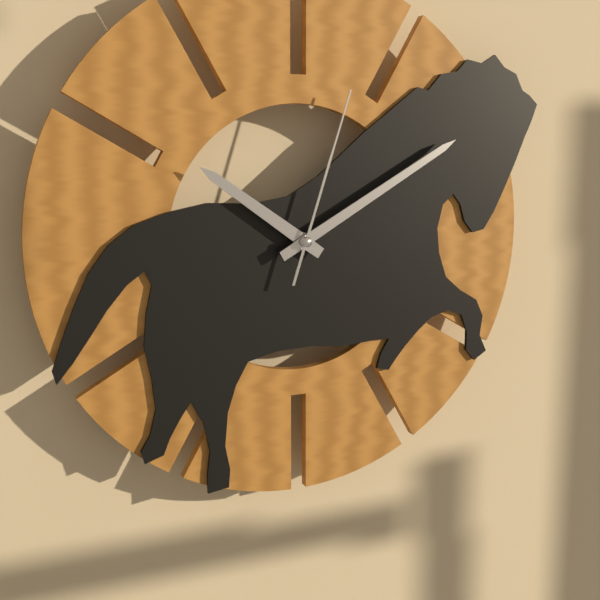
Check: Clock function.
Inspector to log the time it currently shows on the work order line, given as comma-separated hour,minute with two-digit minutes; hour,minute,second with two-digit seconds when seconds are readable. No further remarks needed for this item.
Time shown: 10,10,03
